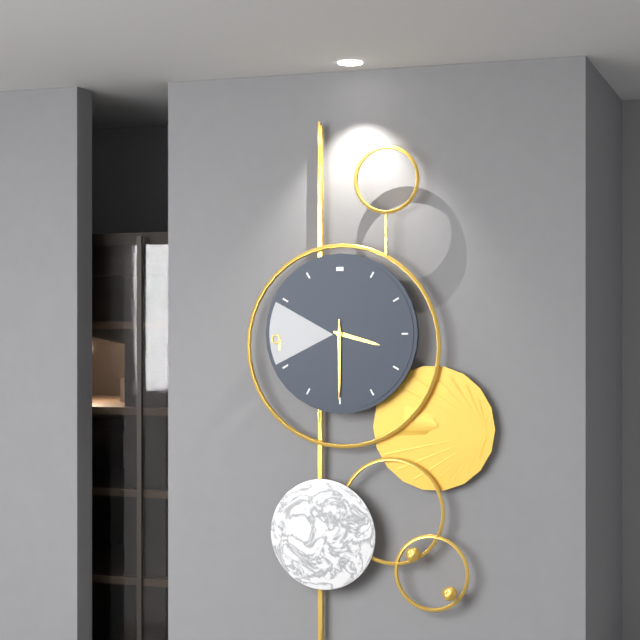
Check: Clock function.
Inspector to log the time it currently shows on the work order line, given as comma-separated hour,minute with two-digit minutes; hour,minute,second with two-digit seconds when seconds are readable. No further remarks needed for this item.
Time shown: 3,30,30
